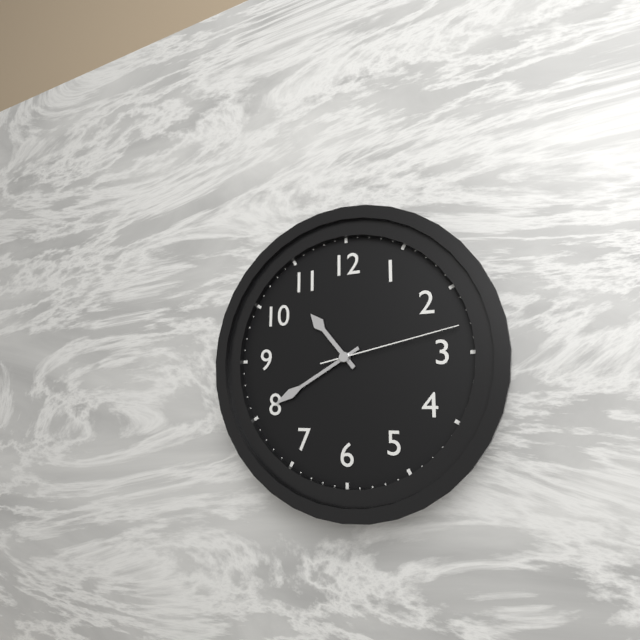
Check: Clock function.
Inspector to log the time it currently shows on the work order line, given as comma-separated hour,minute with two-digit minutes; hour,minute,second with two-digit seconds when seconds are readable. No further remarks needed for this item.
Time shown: 10,40,13
